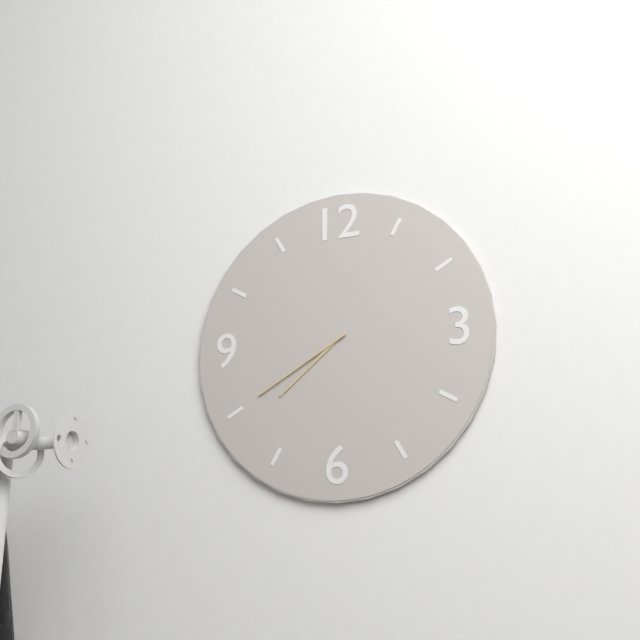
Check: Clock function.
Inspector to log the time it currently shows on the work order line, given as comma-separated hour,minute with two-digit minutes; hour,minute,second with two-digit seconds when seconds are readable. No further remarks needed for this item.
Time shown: 7,40
